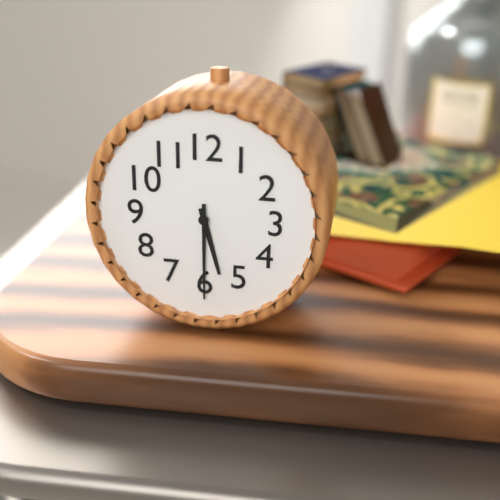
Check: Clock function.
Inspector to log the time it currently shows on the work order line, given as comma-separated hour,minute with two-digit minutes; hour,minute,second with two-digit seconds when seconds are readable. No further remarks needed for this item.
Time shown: 5,30
